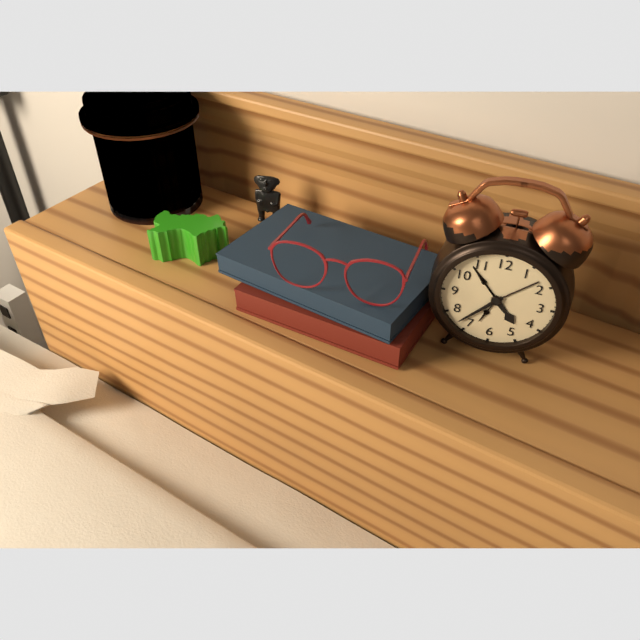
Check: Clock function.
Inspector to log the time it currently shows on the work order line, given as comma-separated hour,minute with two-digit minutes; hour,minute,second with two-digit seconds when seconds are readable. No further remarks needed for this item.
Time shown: 4,37
